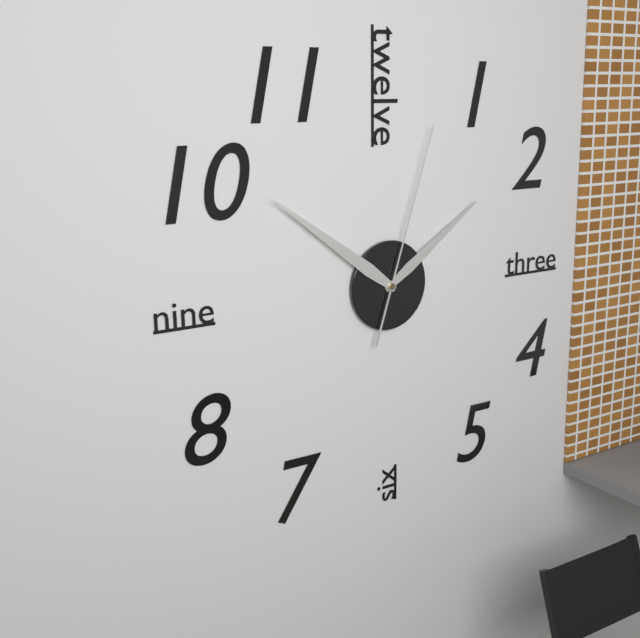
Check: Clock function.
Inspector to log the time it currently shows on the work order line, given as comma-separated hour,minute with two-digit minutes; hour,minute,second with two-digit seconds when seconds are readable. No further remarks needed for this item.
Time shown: 1,51,03
